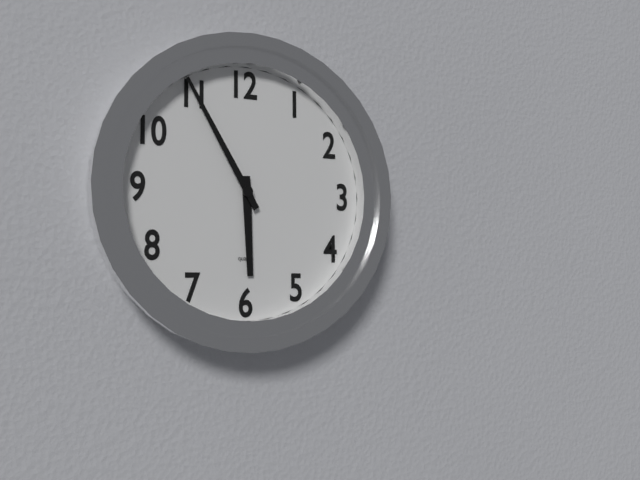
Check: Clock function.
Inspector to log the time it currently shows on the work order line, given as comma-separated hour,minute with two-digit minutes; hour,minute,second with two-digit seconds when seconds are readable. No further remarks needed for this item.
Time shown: 5,55
